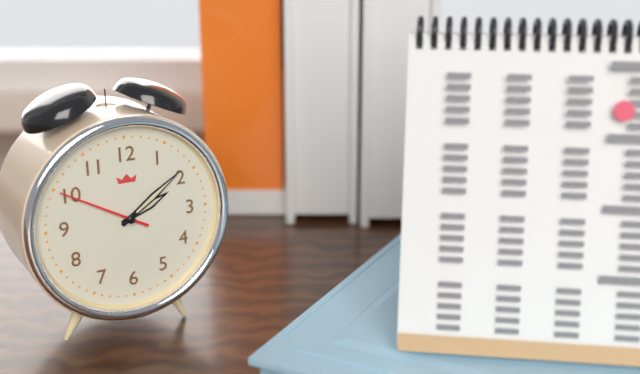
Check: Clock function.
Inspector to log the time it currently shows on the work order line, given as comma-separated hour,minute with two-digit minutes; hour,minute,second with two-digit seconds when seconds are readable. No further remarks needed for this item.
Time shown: 2,09,50
